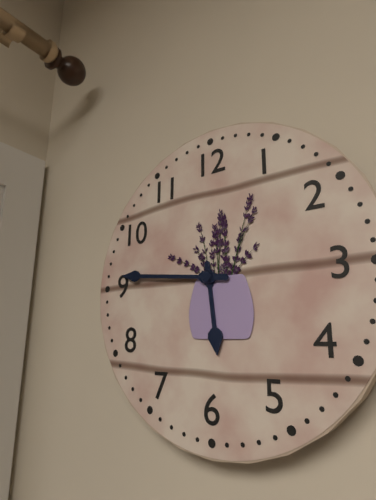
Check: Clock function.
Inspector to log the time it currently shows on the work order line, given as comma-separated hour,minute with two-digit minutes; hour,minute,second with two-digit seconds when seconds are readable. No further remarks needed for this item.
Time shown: 5,46
